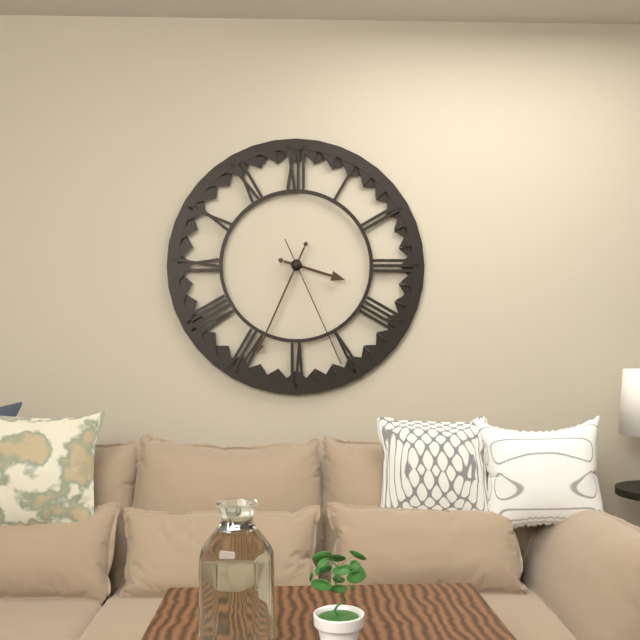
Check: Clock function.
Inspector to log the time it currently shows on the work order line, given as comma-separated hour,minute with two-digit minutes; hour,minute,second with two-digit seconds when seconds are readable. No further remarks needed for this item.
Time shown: 3,34,26
